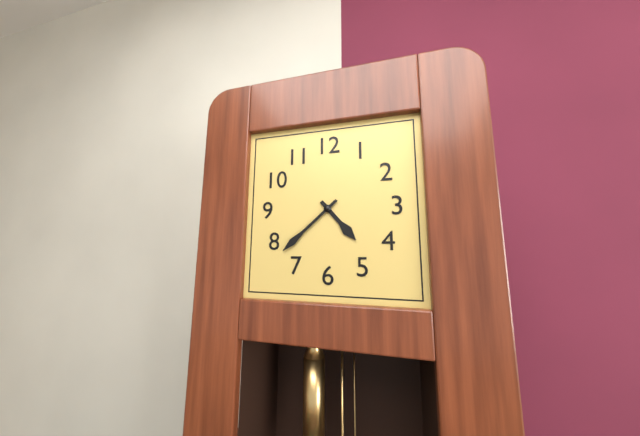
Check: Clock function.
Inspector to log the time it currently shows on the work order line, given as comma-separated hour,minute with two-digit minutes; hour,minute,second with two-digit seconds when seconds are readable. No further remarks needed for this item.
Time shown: 4,38
